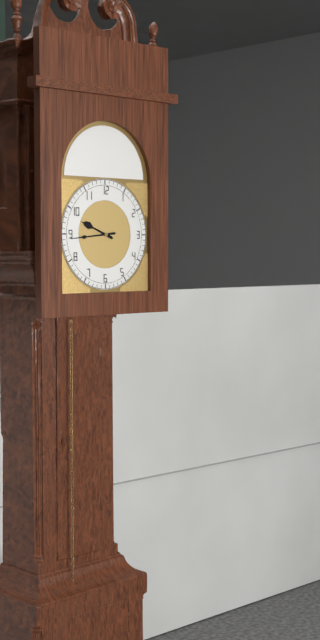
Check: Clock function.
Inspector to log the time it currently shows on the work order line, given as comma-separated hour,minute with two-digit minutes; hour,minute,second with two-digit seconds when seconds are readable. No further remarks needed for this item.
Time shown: 9,44
